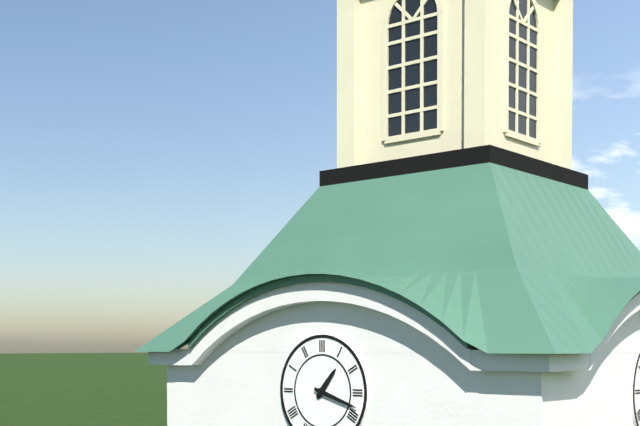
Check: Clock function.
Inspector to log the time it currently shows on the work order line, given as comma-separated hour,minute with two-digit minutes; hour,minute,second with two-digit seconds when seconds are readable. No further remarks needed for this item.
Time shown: 1,18
